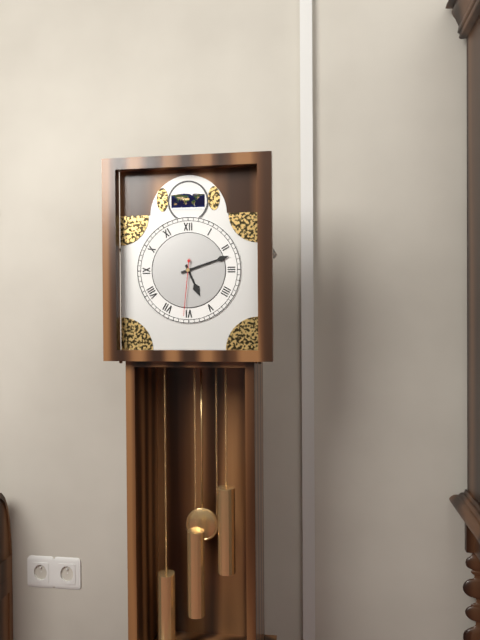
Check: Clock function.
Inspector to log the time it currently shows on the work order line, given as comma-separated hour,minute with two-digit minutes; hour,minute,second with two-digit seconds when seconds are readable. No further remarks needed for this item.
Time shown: 5,12,31
